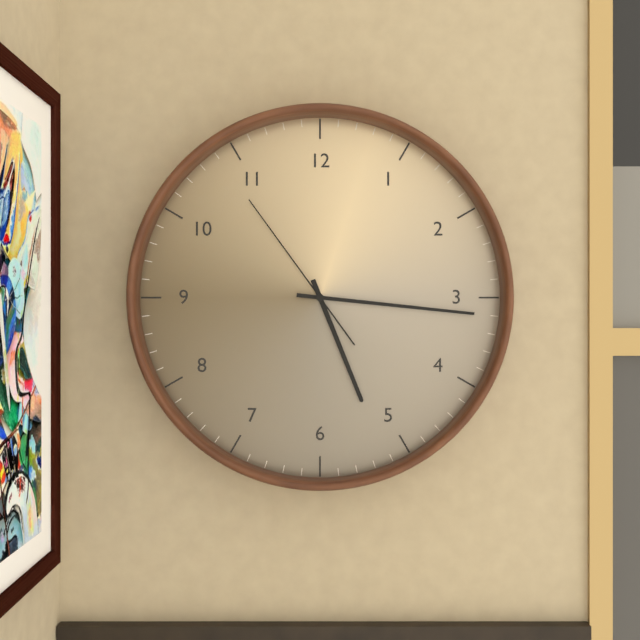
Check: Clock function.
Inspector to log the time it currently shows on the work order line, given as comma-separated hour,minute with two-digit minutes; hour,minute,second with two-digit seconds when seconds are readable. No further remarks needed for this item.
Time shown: 5,16,54
